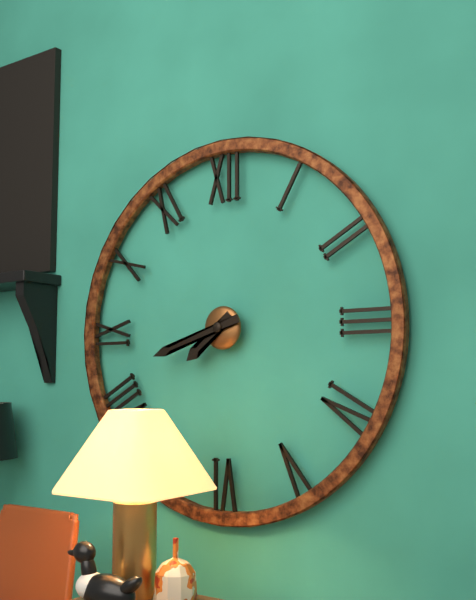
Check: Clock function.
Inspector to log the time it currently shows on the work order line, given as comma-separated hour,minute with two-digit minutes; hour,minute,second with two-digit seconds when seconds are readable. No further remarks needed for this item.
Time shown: 7,42
